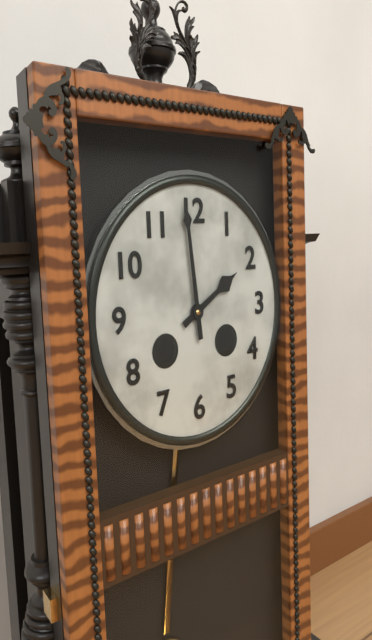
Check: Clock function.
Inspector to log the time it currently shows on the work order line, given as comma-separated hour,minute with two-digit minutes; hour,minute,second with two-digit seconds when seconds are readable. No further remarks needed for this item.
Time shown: 1,59
